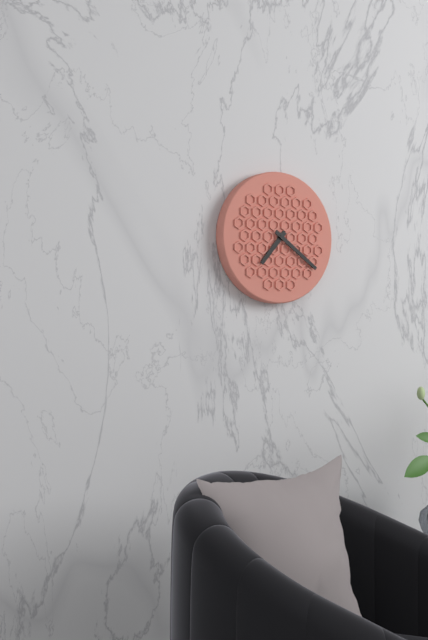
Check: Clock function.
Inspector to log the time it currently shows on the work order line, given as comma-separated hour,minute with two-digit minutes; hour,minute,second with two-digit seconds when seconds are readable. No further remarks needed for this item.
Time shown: 7,21
